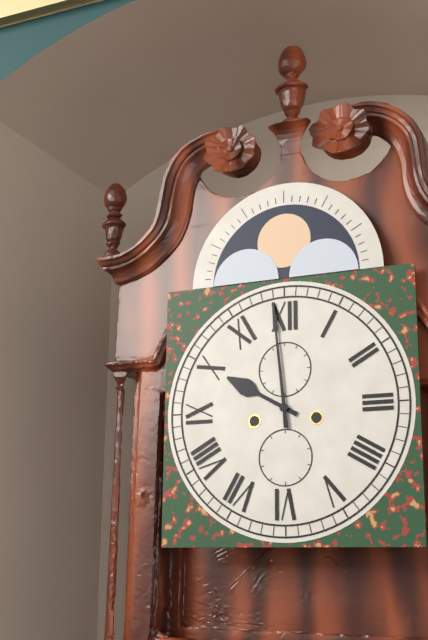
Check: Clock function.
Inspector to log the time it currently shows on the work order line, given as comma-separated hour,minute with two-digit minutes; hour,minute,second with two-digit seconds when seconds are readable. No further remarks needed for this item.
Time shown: 9,59
